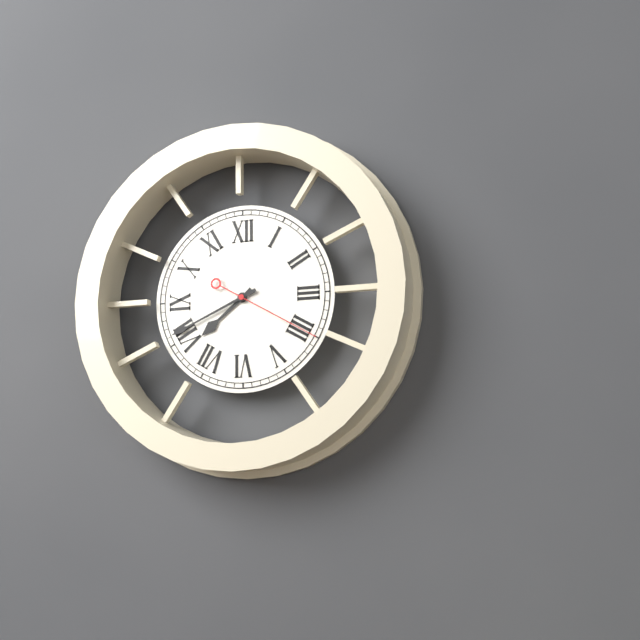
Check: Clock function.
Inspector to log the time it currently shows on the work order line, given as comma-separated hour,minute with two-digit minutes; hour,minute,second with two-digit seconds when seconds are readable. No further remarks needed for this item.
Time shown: 7,41,20
